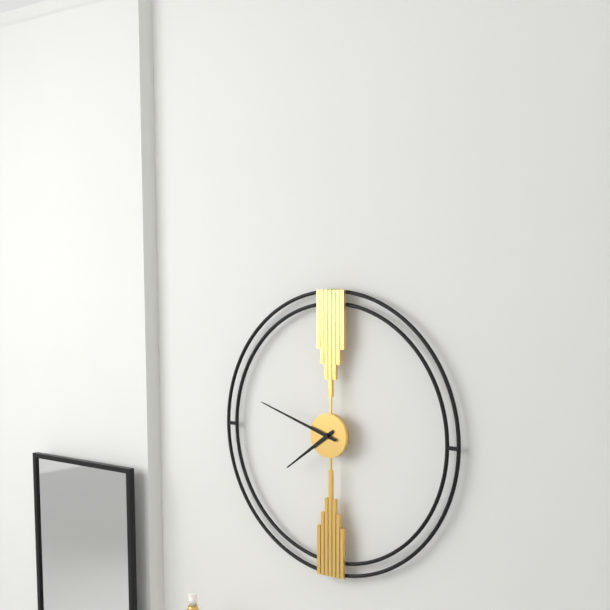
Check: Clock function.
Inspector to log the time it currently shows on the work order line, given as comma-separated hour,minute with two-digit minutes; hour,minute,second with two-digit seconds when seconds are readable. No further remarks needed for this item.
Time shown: 7,48
